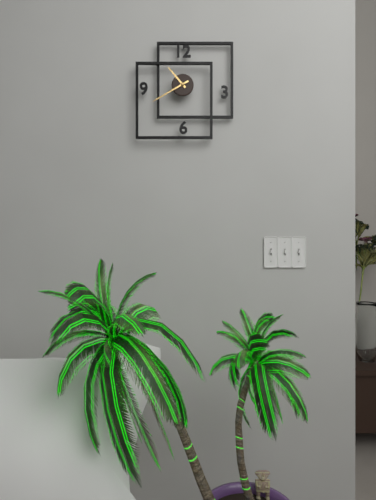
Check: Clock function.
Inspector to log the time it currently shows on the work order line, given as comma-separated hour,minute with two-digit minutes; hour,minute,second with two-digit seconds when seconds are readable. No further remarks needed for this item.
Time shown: 10,40
